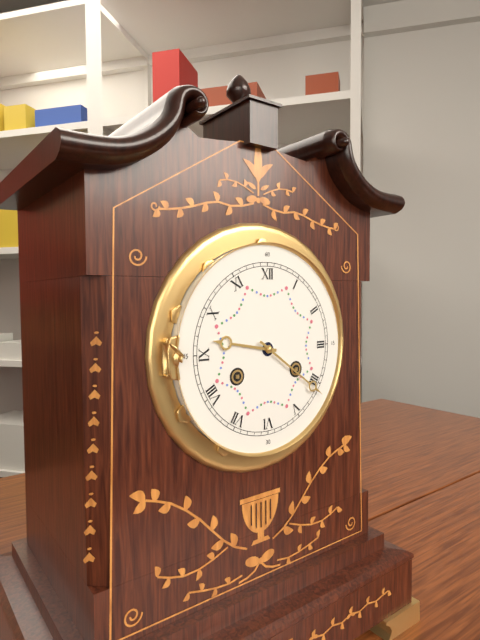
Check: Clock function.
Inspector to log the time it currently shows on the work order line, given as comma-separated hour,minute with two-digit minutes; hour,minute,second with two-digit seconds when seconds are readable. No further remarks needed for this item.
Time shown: 9,21
